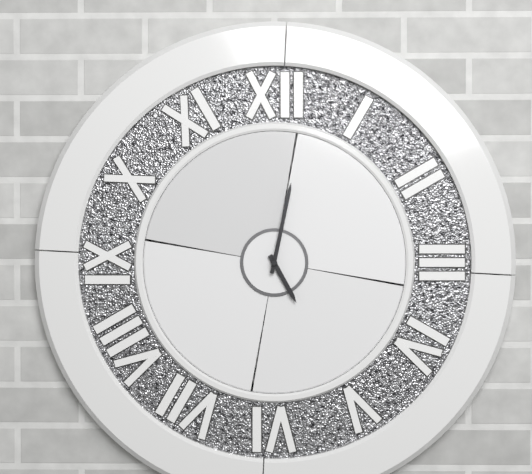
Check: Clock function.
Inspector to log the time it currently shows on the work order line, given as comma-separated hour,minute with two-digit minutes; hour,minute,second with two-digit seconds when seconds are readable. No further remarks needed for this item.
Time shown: 5,02
